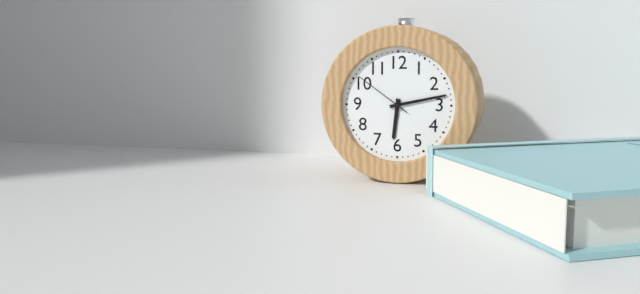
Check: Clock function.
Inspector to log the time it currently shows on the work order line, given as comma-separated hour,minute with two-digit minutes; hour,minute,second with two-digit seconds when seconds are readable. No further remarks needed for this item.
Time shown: 6,13,51
